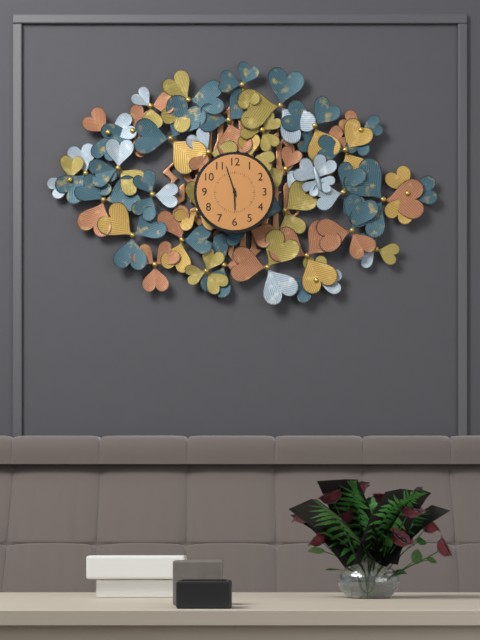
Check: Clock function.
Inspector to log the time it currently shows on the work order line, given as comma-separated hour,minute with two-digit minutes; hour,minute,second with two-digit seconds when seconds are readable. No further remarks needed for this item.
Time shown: 5,57
